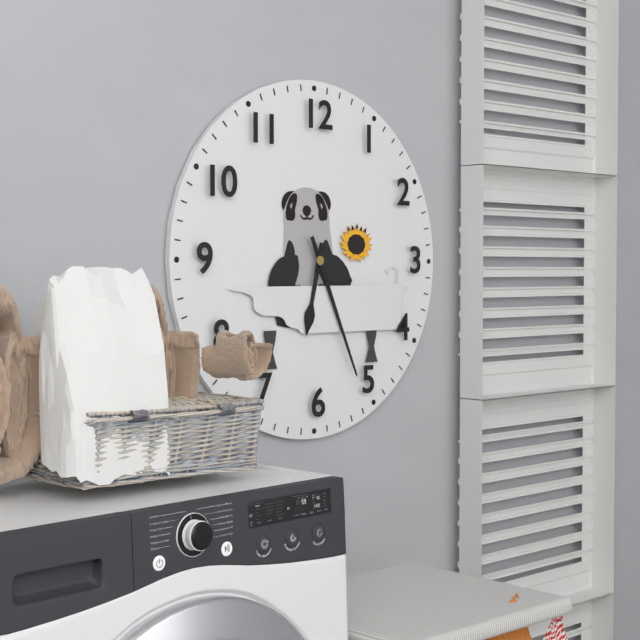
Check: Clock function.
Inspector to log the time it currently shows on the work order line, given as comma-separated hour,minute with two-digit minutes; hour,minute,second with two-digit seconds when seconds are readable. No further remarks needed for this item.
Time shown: 6,26
